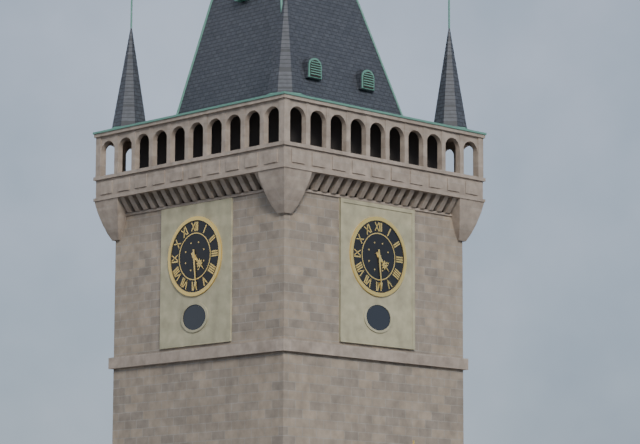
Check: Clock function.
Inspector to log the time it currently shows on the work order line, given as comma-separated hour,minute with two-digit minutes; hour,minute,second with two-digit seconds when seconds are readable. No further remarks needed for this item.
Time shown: 4,29
